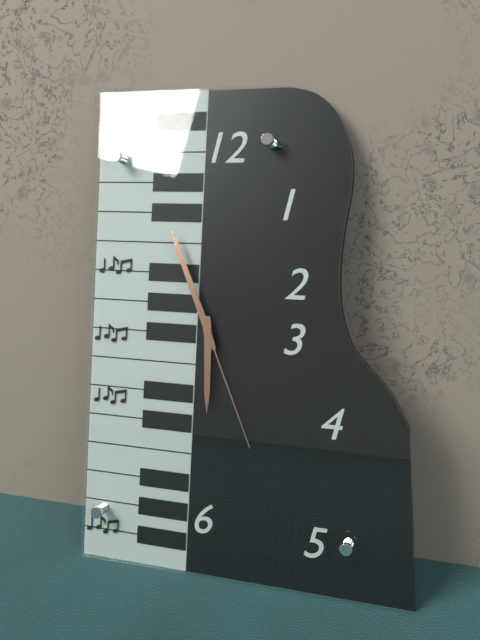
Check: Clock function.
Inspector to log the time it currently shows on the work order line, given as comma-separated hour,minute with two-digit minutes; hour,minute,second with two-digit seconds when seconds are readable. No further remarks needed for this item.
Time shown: 5,56,26
